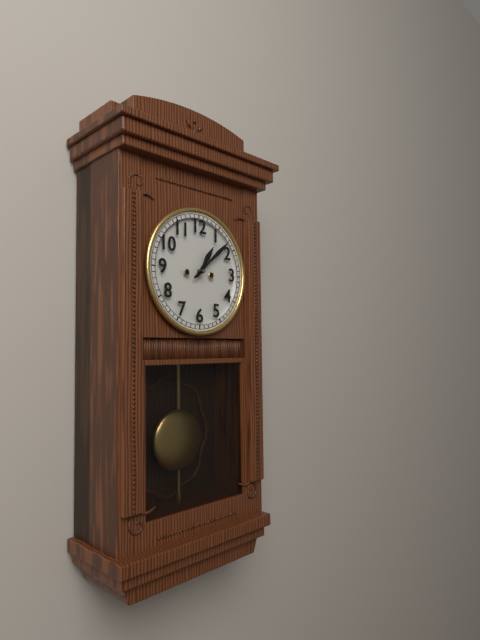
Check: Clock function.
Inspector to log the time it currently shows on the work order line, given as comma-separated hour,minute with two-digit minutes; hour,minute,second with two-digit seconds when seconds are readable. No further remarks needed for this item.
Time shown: 1,08
